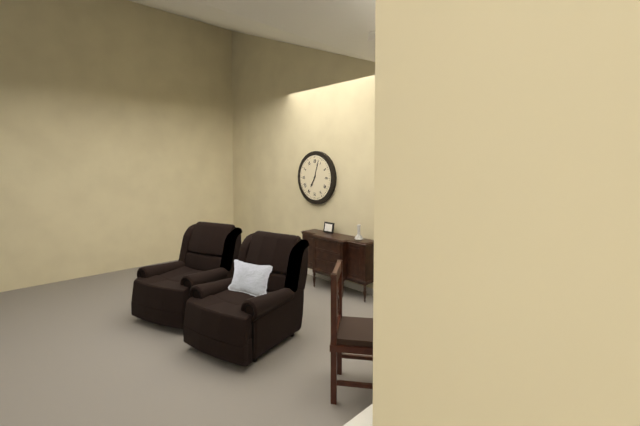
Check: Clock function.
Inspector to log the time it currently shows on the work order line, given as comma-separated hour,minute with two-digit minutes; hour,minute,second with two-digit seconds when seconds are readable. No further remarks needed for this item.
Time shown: 7,03
